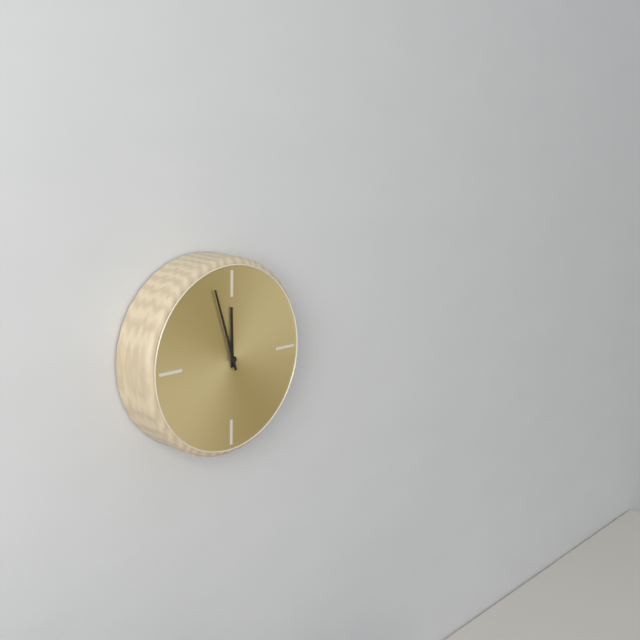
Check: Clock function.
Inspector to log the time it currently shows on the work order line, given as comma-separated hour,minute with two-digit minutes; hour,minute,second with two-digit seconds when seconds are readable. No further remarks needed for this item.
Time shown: 11,57
